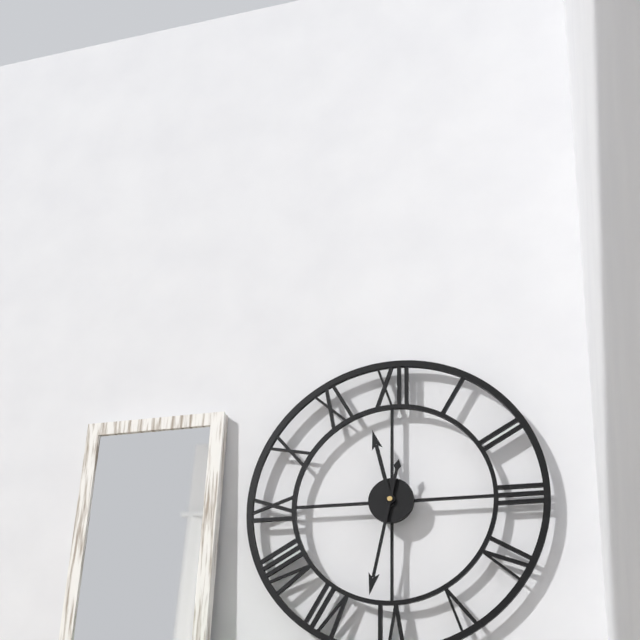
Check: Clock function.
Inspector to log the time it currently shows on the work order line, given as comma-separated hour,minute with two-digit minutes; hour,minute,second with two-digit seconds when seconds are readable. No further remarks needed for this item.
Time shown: 11,32
